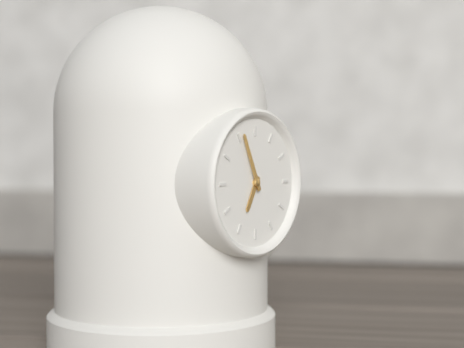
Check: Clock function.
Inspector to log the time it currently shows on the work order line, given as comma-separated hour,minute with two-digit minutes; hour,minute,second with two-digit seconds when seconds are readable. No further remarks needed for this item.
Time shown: 6,56
